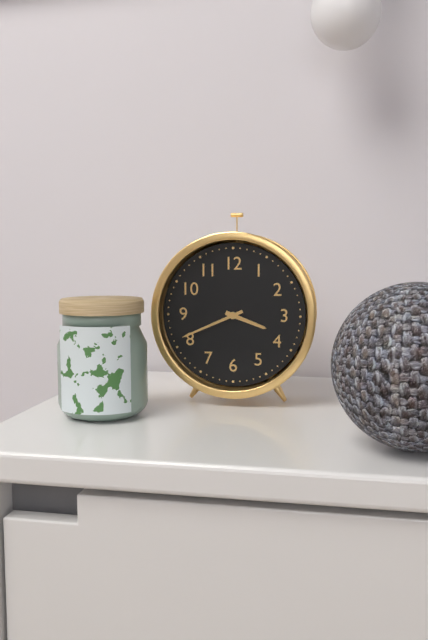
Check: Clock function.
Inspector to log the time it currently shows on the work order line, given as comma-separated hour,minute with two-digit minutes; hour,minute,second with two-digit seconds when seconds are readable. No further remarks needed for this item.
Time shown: 3,41
